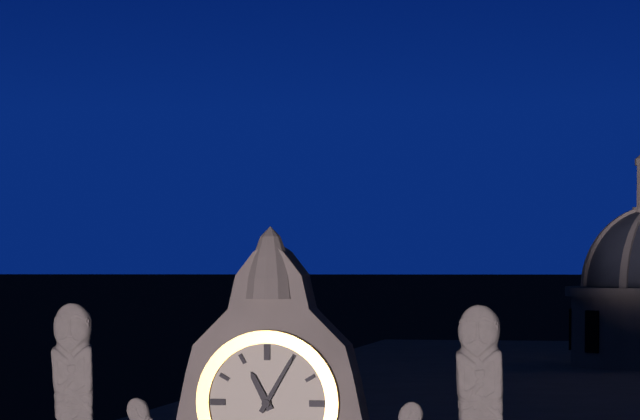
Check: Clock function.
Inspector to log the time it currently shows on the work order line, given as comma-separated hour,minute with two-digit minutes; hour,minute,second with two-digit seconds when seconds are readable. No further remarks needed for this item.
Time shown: 11,05
